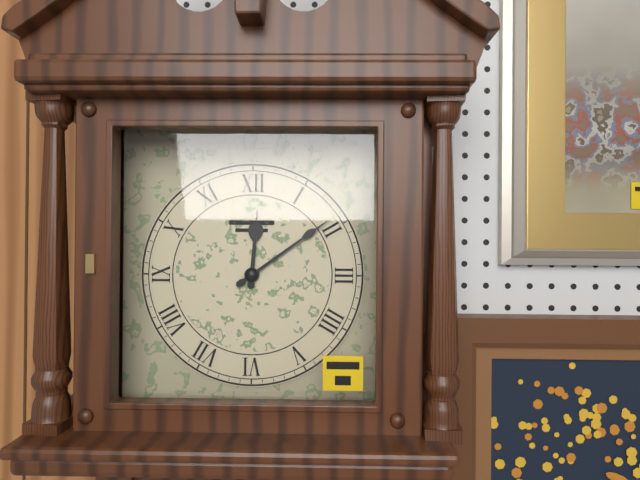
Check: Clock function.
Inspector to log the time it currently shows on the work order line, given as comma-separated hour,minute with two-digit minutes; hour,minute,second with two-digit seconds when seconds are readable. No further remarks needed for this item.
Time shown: 12,09
